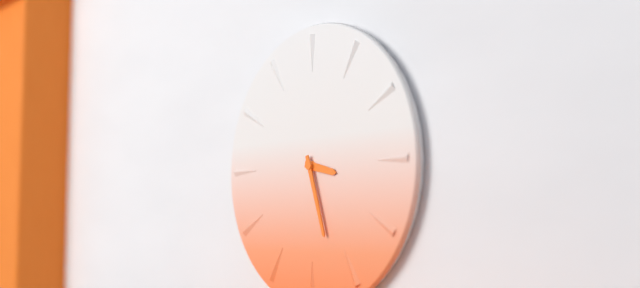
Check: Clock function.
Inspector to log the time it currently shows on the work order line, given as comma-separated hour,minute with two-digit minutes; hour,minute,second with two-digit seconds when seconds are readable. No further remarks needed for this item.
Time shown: 3,27
